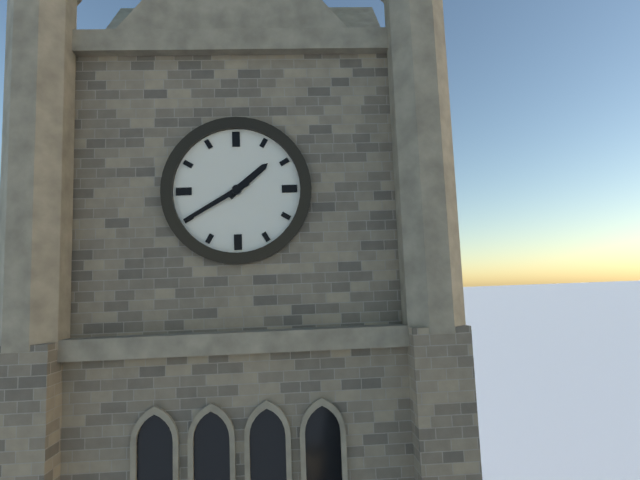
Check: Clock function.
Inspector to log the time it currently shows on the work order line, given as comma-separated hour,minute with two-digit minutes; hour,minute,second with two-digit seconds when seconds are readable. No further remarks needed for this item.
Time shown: 1,40
